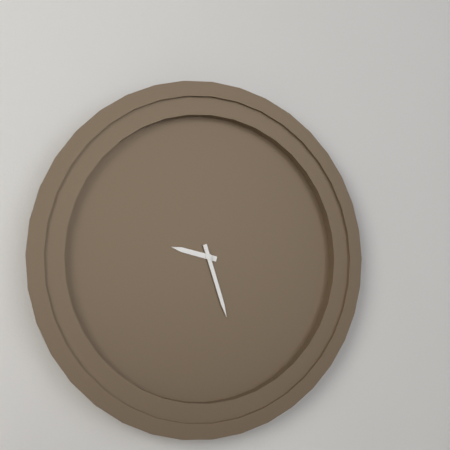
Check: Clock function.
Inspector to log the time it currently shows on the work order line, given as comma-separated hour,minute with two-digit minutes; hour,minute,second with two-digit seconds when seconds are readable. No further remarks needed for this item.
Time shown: 9,27
